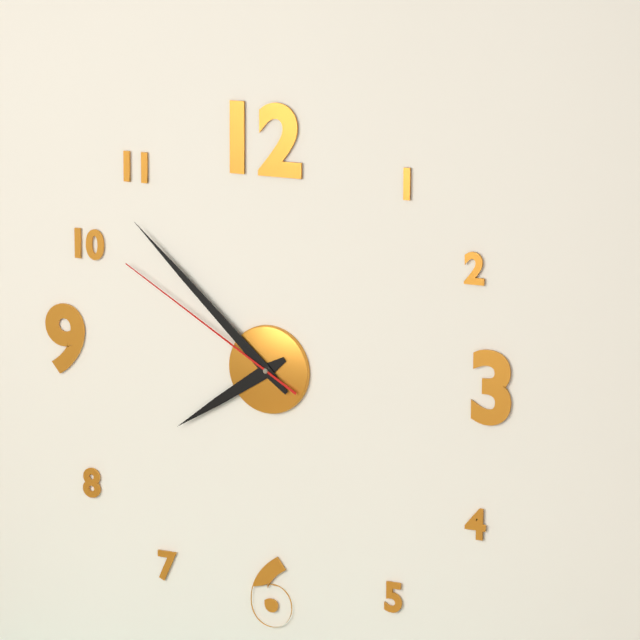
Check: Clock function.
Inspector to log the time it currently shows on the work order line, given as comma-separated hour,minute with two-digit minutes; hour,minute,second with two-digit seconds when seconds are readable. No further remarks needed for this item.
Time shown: 7,52,50
